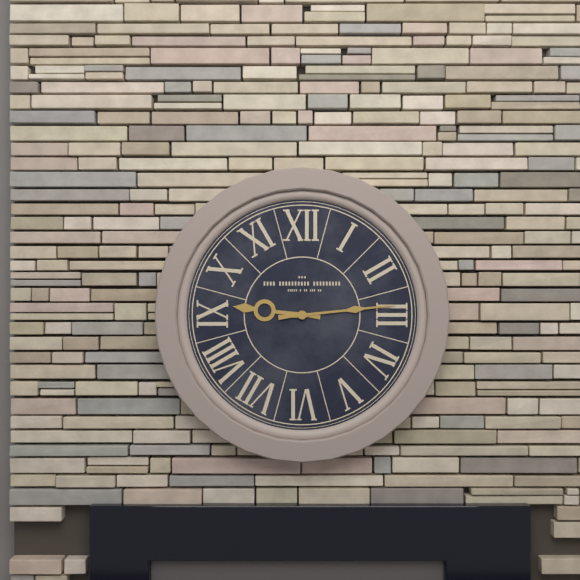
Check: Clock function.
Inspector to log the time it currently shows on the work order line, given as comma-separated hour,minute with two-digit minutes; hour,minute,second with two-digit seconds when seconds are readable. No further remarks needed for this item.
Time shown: 9,14
